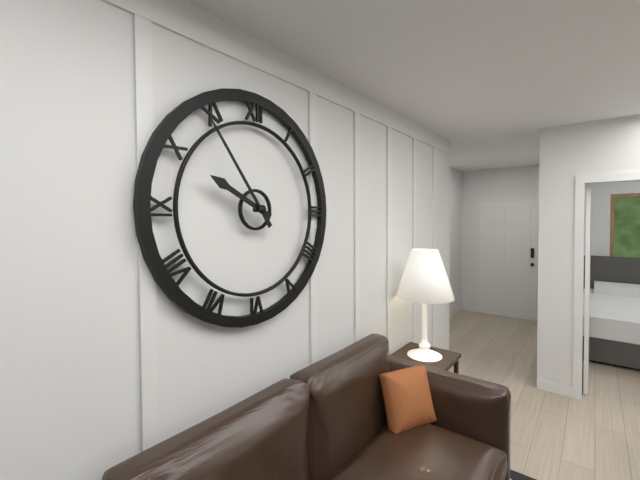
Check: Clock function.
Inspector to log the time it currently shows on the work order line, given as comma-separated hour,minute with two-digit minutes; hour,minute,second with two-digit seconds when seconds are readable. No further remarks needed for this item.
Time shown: 9,54
